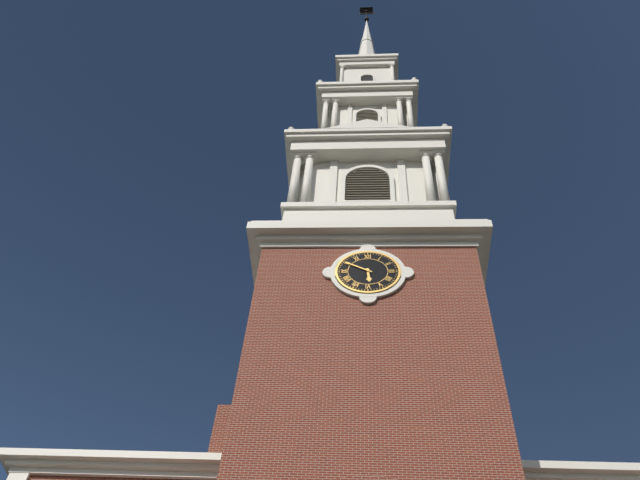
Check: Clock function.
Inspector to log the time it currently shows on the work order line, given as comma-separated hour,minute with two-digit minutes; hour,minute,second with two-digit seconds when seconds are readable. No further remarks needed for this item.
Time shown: 5,50
